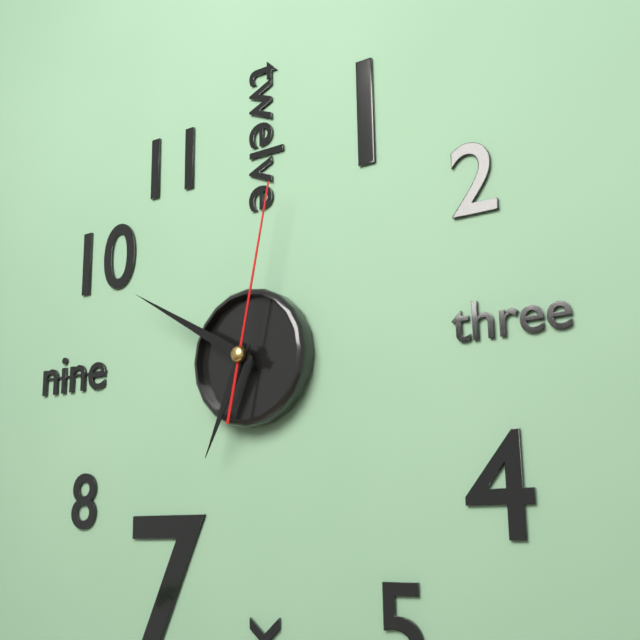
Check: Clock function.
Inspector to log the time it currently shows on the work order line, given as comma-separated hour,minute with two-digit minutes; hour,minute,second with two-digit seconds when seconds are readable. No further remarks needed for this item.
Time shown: 6,50,02
